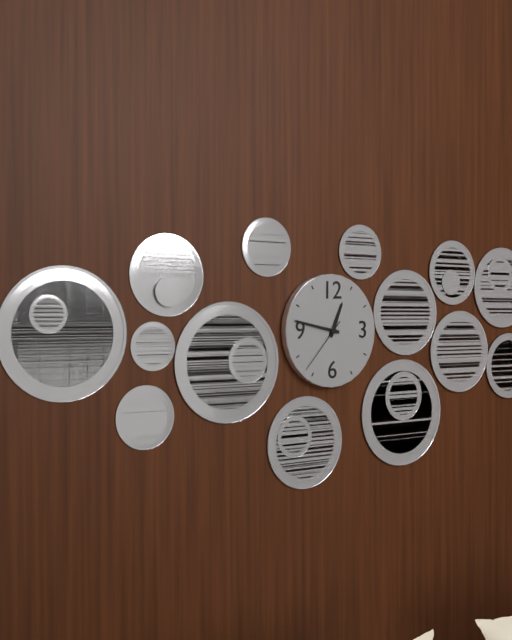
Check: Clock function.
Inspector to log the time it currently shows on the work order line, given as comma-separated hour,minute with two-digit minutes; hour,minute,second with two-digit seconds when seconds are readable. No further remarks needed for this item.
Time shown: 12,47,37
